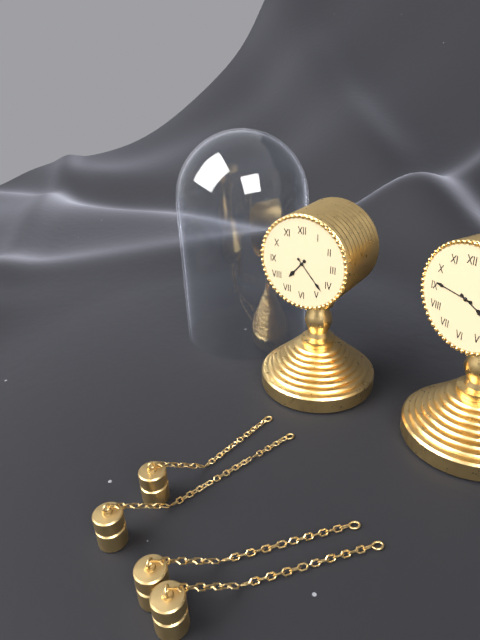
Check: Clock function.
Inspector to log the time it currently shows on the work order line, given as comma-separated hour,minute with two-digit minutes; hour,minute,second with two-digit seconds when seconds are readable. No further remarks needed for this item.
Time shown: 7,23
